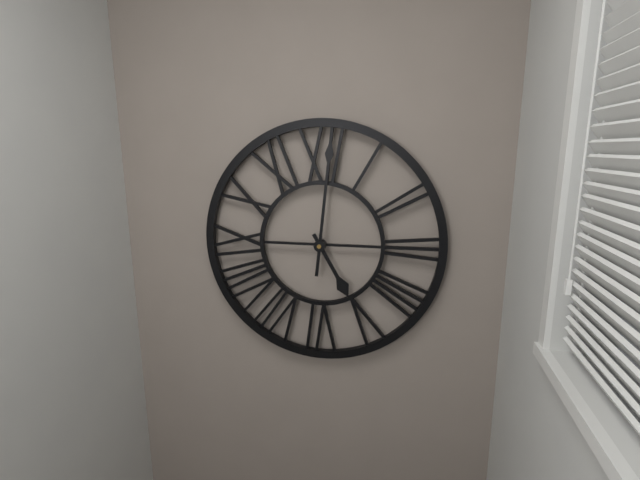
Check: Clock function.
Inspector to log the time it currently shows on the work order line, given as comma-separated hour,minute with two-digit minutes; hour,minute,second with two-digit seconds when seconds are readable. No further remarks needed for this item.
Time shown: 5,01
